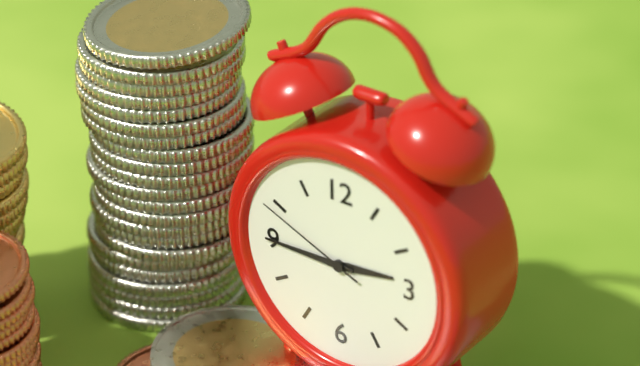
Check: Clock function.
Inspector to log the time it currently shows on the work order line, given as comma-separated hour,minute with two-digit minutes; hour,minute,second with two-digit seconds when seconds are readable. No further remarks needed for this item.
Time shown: 2,45,49
